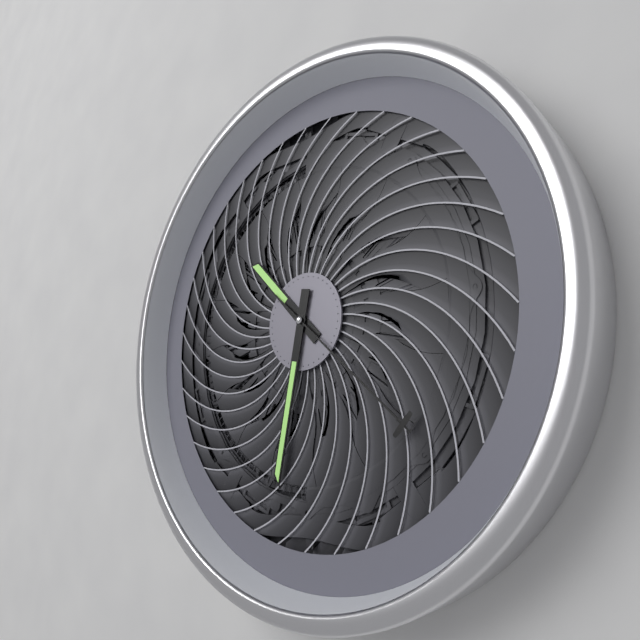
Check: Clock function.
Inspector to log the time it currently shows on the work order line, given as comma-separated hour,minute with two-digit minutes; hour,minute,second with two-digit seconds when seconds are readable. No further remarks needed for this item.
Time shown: 10,32,22
